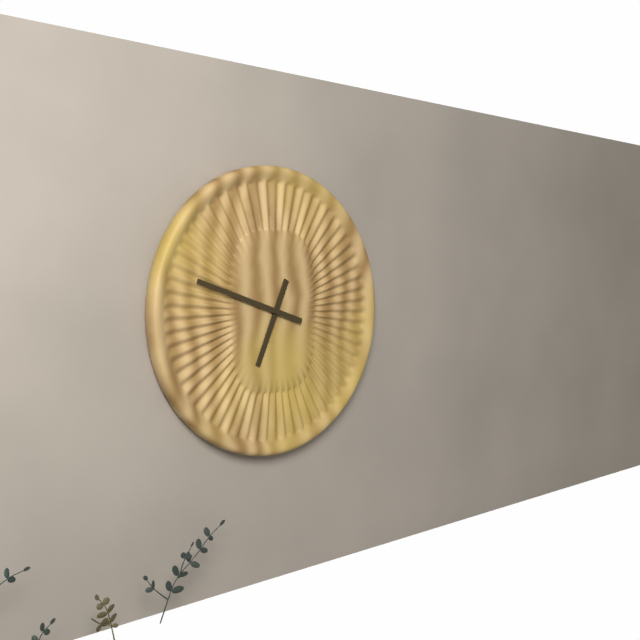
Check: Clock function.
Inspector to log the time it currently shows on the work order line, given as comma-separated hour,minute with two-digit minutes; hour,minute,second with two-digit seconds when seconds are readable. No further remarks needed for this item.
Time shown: 6,48
